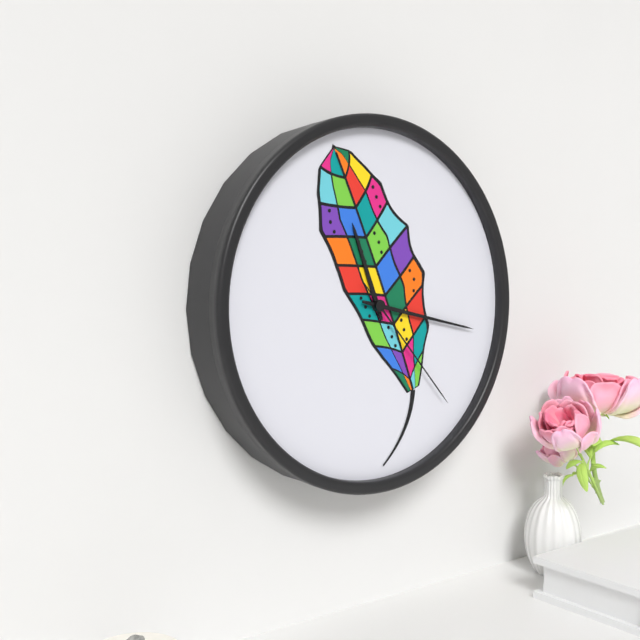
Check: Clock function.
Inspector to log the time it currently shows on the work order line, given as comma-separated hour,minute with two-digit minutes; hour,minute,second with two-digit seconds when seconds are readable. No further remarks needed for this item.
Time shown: 11,17,23
